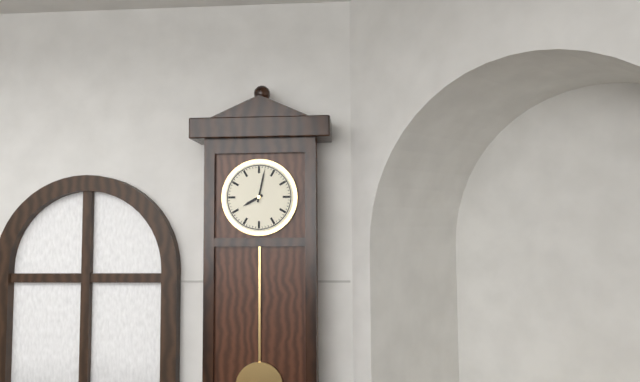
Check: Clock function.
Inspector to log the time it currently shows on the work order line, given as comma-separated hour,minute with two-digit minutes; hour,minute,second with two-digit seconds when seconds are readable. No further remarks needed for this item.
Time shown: 8,02
